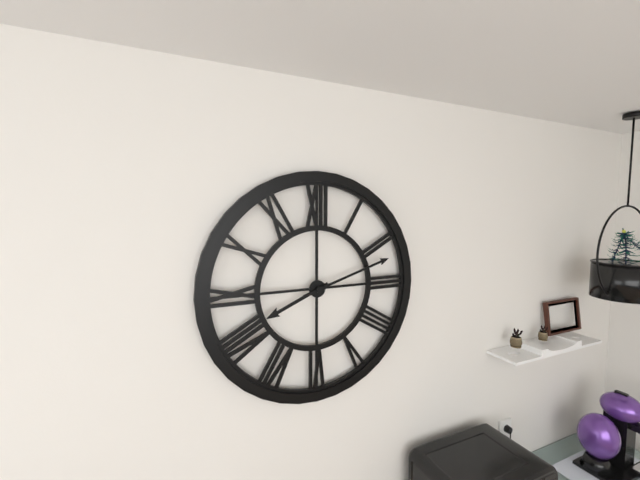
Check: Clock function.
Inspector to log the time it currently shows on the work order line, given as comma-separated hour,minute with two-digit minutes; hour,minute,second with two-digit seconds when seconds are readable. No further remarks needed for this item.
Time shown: 8,12
